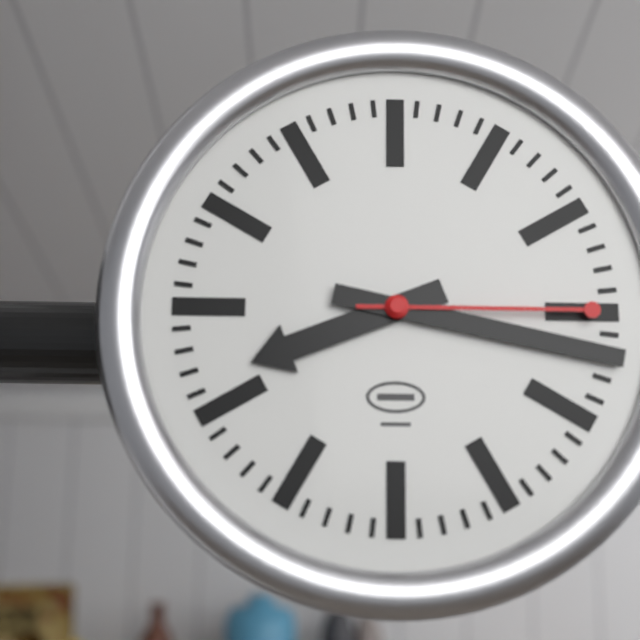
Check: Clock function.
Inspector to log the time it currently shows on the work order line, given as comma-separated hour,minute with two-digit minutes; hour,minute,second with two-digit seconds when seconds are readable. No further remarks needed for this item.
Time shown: 8,17,15
